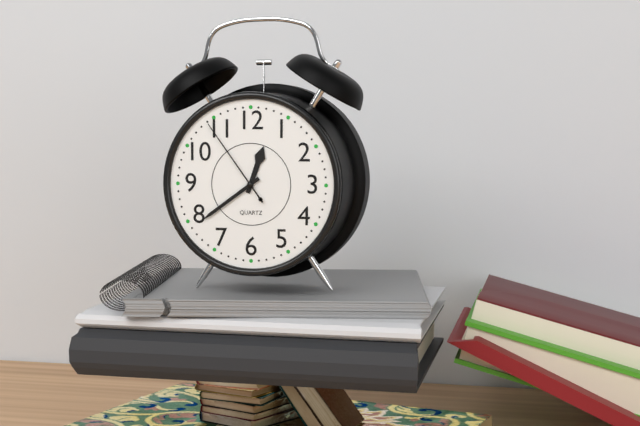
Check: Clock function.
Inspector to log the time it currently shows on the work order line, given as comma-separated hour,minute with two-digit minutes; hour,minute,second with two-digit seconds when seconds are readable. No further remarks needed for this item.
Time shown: 12,39,54
